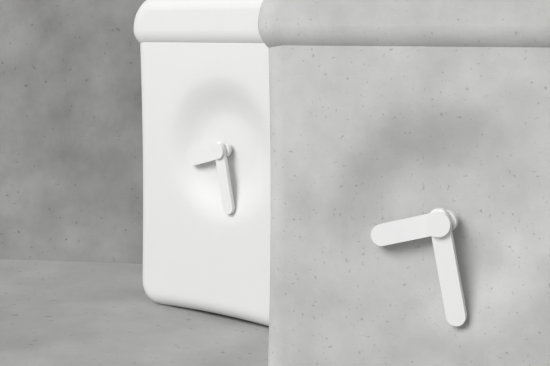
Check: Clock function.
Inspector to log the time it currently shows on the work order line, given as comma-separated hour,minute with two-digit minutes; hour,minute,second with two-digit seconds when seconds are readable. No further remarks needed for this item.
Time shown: 8,28
